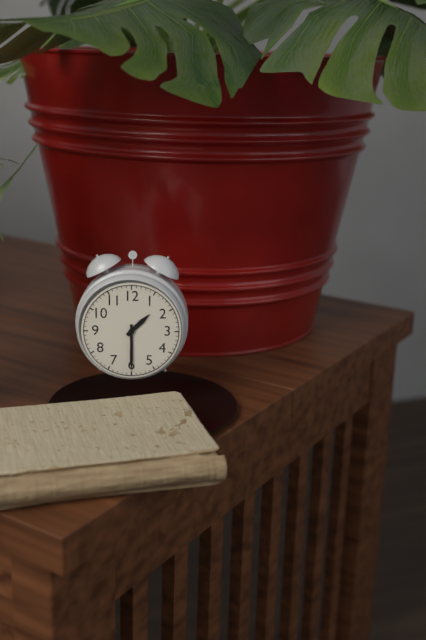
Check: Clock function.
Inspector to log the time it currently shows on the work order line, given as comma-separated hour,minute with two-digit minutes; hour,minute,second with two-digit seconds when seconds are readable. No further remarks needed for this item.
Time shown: 1,30
